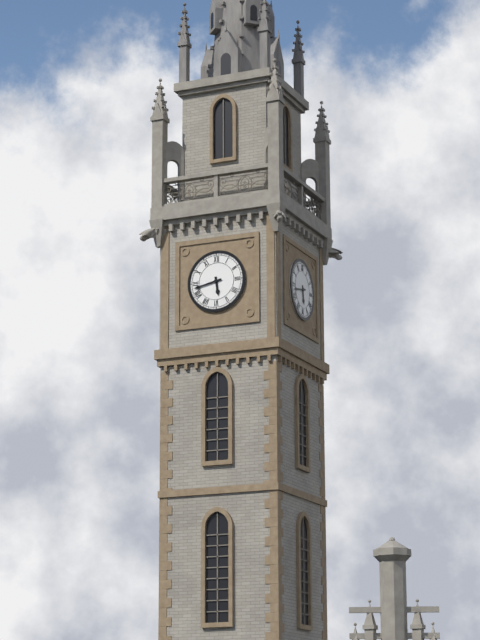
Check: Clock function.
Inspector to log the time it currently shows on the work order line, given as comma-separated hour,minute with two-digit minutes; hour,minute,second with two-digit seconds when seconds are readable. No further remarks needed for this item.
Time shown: 5,43
